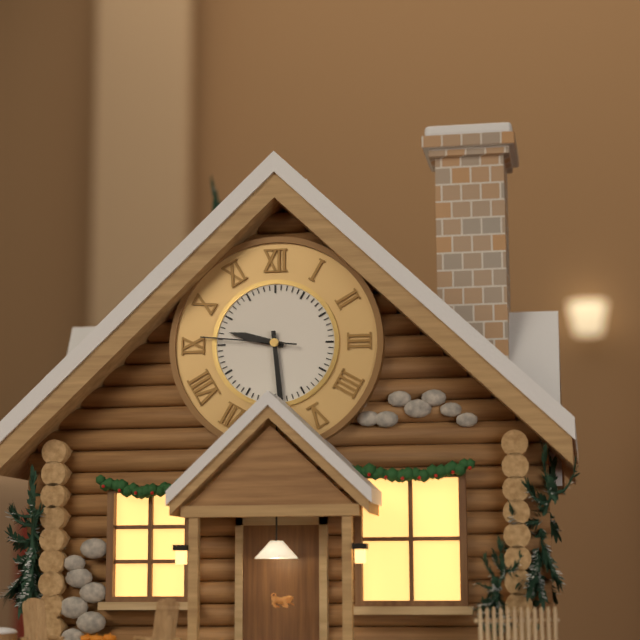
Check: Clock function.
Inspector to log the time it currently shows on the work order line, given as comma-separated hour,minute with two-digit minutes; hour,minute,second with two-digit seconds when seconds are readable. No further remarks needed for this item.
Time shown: 9,29,46
